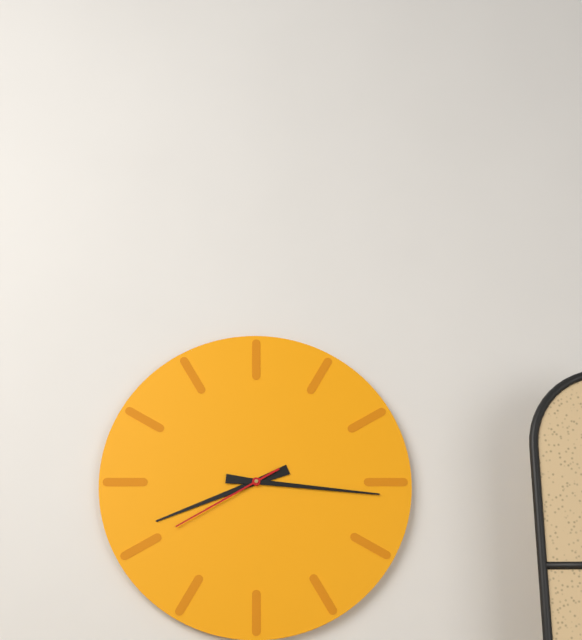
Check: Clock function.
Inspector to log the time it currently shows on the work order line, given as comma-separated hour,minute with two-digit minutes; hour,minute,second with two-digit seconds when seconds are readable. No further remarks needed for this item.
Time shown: 8,16,40
